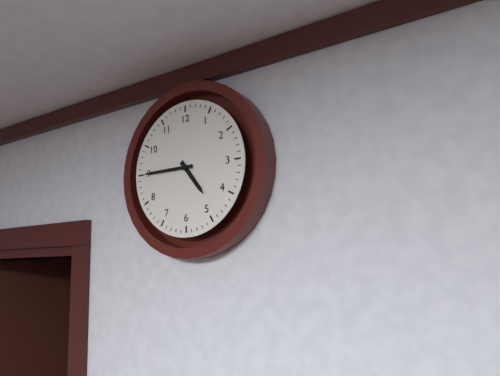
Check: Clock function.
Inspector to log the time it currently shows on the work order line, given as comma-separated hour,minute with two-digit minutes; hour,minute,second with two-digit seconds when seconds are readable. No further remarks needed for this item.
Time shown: 4,45
